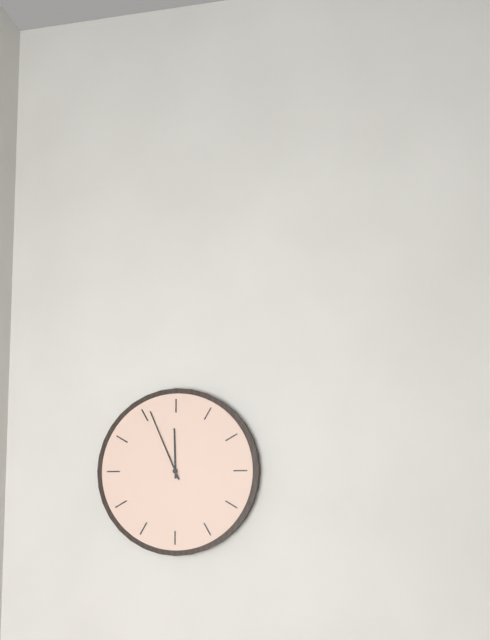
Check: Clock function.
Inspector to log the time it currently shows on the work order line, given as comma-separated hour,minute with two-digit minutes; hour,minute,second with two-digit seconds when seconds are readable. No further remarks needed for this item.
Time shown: 11,56
